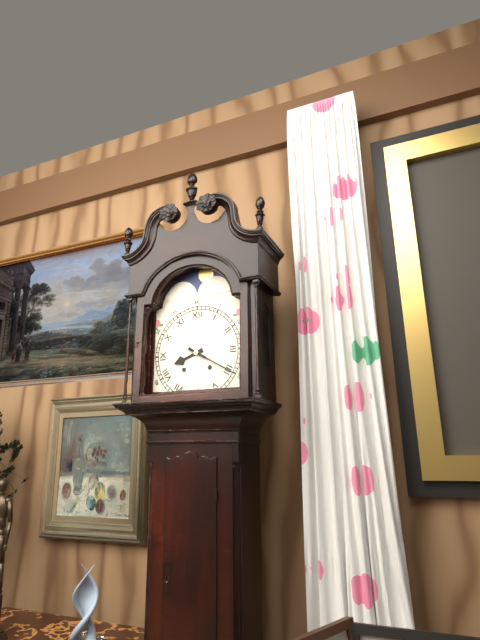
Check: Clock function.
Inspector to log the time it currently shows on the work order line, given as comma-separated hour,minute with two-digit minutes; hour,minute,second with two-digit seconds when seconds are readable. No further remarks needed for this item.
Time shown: 8,20
